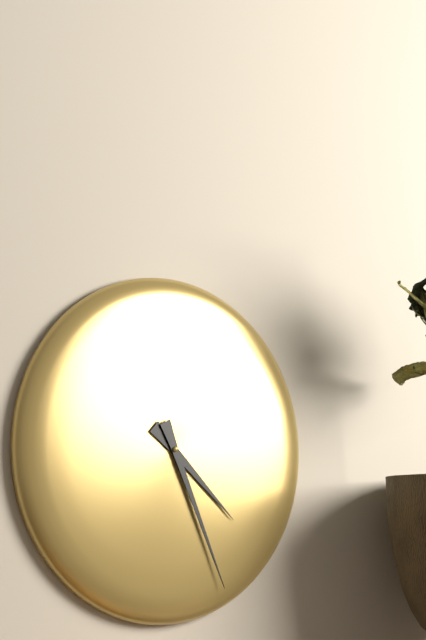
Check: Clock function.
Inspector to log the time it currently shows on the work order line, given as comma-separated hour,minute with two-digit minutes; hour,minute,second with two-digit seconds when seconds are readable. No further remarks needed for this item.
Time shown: 4,26
